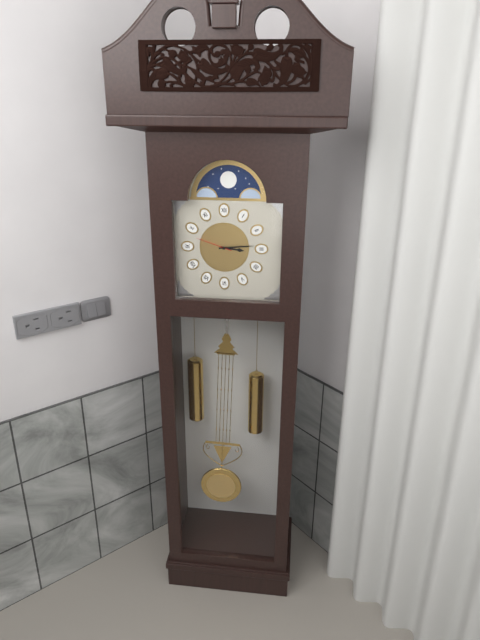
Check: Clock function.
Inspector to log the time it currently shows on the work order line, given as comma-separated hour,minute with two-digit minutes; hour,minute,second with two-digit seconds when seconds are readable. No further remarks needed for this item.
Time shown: 3,14
